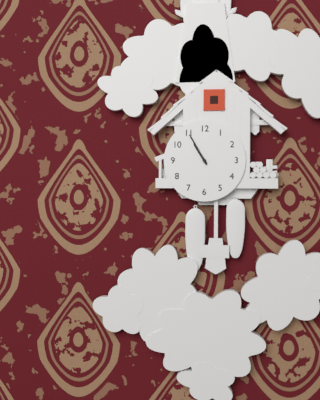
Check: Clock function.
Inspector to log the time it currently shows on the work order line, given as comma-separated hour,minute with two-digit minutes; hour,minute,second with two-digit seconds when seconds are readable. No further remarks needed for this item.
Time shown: 10,55
